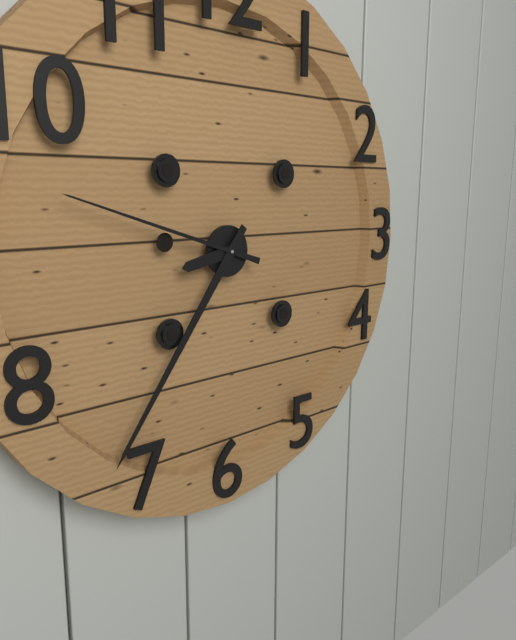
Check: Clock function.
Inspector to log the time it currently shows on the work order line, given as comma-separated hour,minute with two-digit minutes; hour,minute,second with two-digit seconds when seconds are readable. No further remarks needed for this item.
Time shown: 8,36,48
